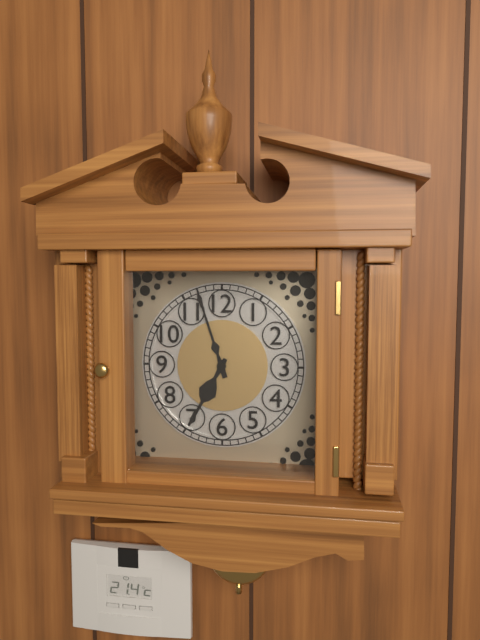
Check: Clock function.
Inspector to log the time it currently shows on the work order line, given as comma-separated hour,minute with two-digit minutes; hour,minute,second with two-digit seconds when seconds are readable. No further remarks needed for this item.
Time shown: 6,57
